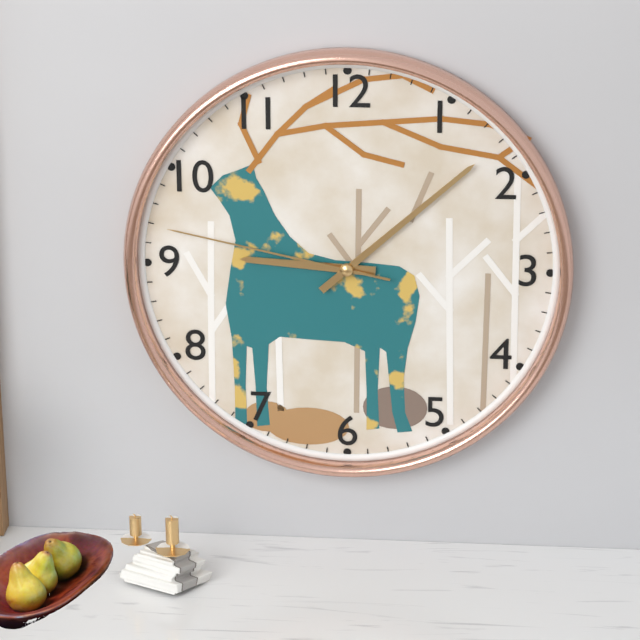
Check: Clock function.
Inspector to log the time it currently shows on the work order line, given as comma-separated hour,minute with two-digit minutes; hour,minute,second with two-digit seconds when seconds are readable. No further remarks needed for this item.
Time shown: 9,08,47
